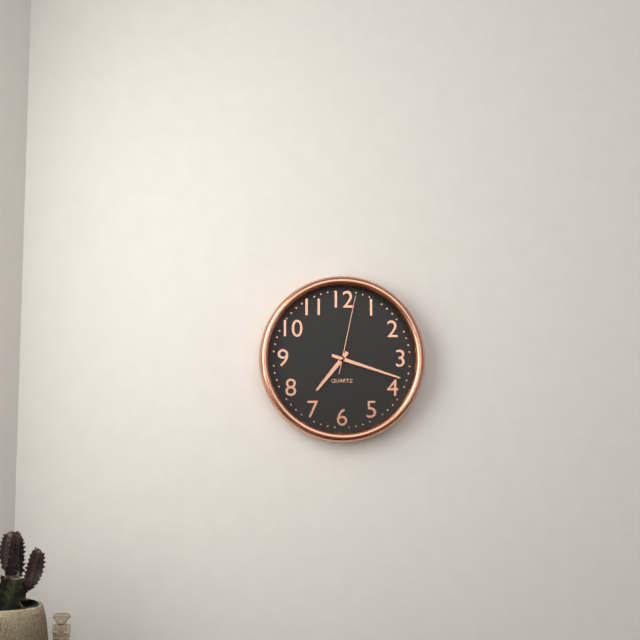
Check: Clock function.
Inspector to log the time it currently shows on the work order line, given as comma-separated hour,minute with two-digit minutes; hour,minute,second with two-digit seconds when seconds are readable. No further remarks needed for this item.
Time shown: 7,18,02
